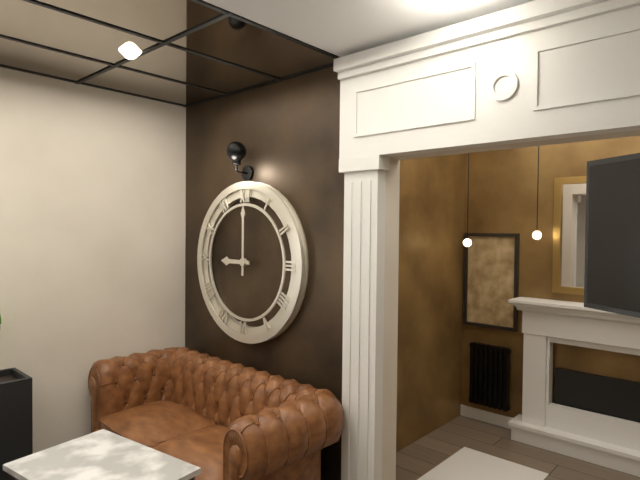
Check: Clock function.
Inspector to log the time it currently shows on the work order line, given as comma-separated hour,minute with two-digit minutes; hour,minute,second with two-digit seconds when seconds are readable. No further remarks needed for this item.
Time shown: 9,00
